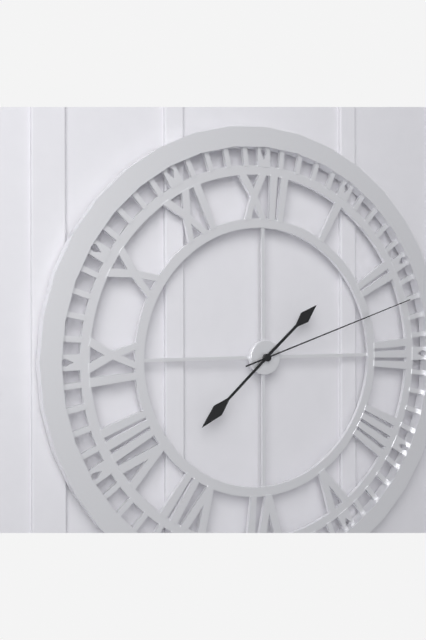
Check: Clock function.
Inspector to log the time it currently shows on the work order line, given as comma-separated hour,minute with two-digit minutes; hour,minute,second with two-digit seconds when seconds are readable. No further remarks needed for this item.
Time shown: 1,38,12
